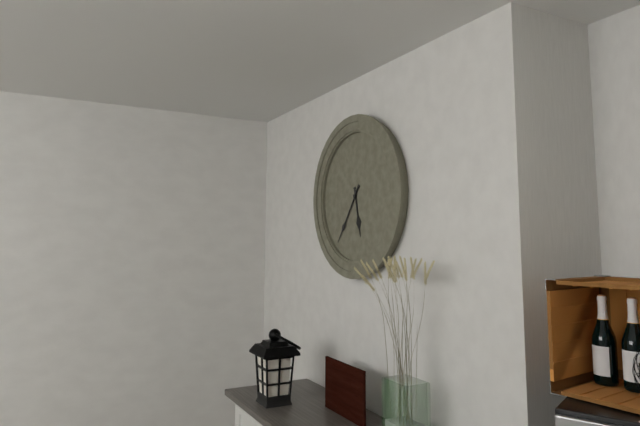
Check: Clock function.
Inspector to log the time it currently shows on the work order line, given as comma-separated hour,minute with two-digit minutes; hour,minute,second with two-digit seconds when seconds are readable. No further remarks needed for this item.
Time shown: 5,36
